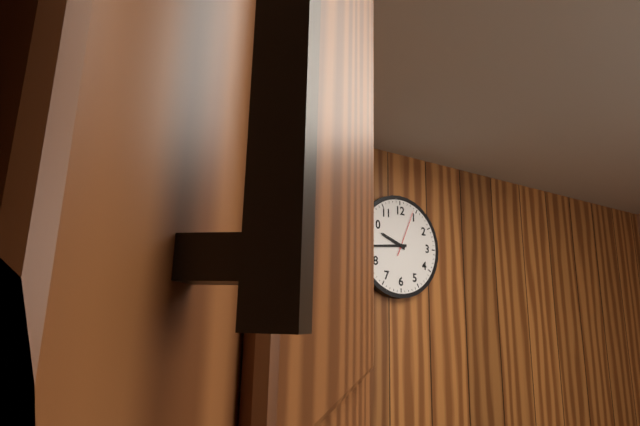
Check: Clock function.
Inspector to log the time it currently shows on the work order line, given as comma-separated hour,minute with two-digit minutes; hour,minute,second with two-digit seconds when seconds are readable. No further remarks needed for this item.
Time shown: 9,44,04
